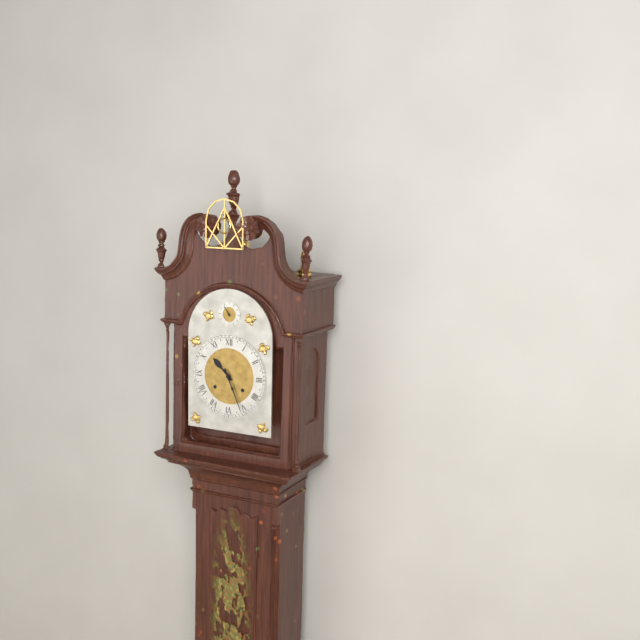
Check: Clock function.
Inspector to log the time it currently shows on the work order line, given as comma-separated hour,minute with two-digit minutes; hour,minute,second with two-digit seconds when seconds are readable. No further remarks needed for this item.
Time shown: 10,26
